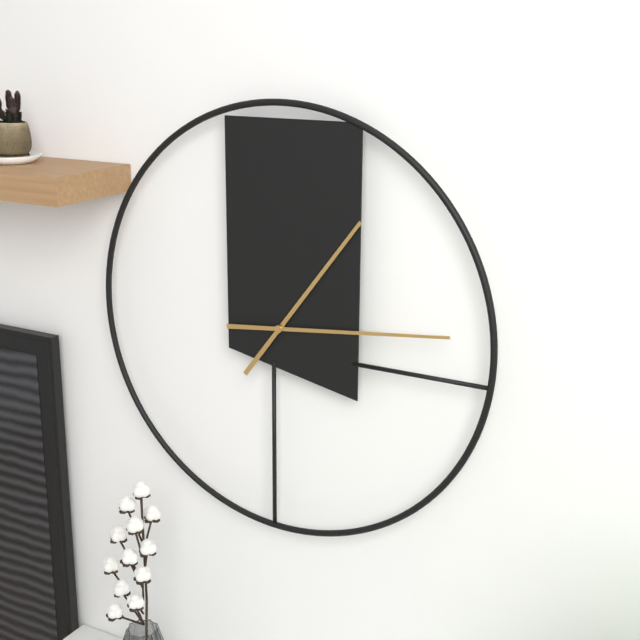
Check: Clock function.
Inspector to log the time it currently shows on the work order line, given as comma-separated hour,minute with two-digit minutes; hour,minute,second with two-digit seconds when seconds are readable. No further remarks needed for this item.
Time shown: 1,14
